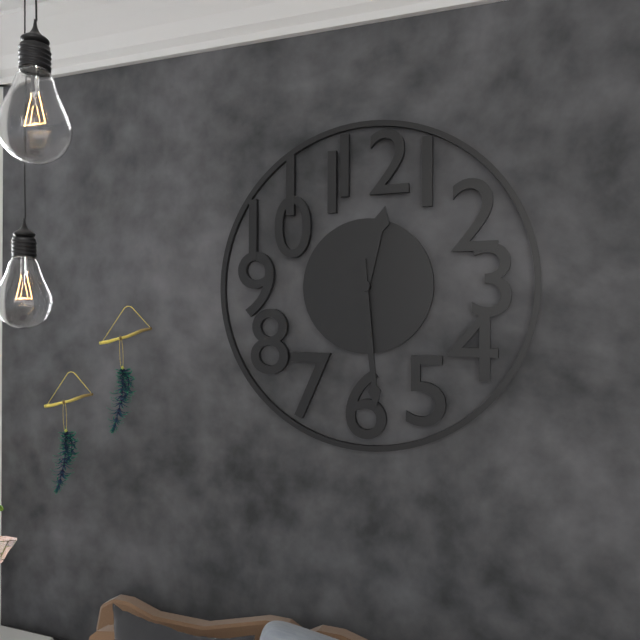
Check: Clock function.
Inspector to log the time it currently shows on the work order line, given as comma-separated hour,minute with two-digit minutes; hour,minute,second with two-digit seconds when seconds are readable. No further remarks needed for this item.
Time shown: 12,29
